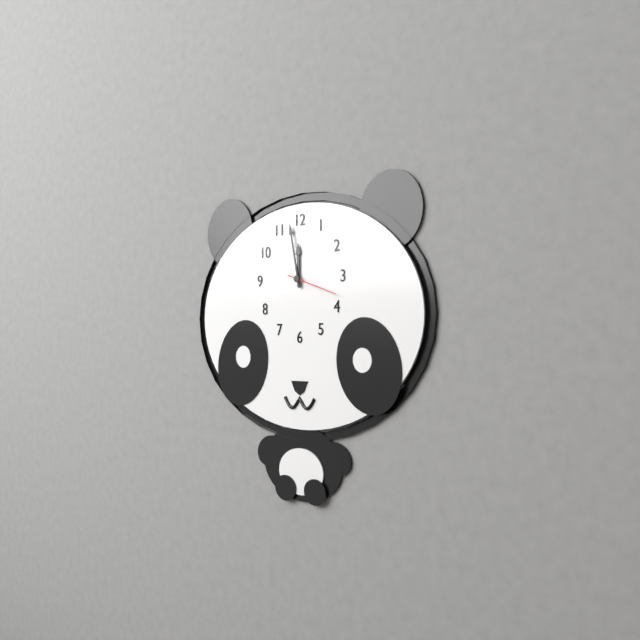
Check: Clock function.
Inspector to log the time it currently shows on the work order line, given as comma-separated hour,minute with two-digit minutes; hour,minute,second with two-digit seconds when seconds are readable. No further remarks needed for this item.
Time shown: 11,58,18
